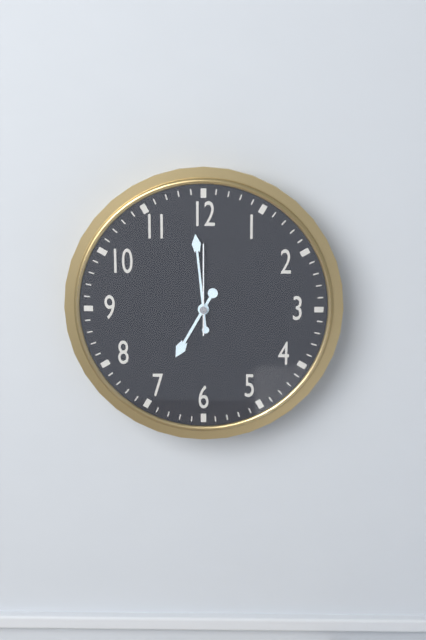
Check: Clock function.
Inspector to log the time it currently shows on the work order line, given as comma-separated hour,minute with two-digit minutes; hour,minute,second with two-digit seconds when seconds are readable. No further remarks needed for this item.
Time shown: 6,59,00
